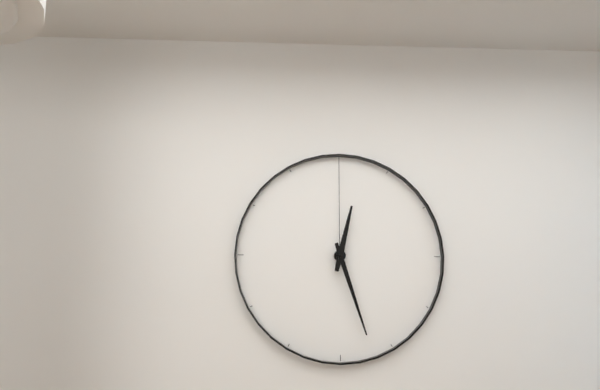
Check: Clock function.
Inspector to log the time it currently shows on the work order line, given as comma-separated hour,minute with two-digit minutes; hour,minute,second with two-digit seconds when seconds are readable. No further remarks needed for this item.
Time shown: 12,27
